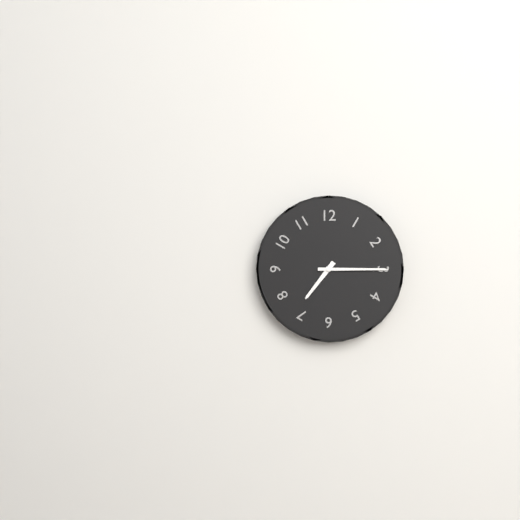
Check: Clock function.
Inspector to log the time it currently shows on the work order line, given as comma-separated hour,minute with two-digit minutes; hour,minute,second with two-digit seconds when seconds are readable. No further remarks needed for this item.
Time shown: 7,15
